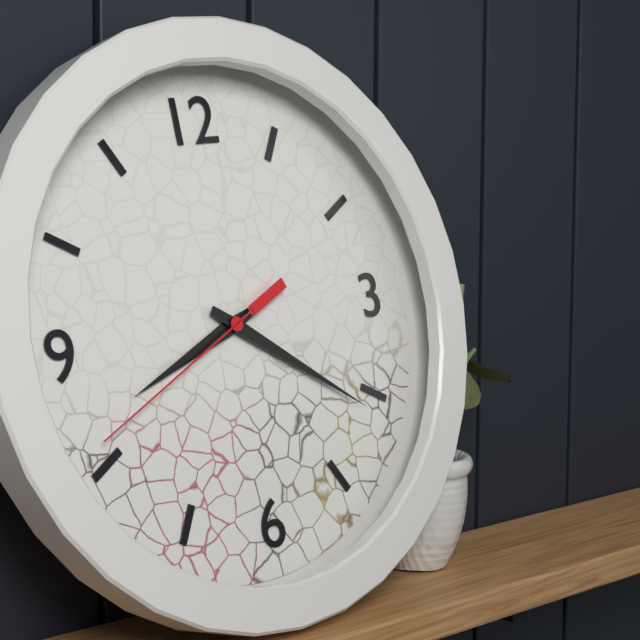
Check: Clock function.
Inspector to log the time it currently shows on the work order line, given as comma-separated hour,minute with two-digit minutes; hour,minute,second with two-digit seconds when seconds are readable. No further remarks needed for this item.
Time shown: 8,21,41
